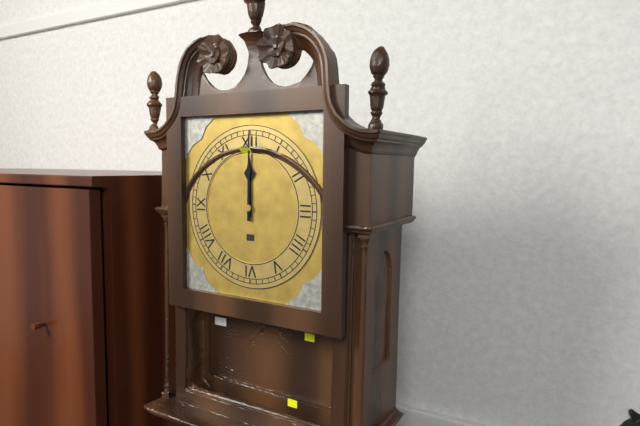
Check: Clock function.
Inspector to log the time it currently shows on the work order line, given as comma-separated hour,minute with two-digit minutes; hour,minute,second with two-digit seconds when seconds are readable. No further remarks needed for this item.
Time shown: 12,00
